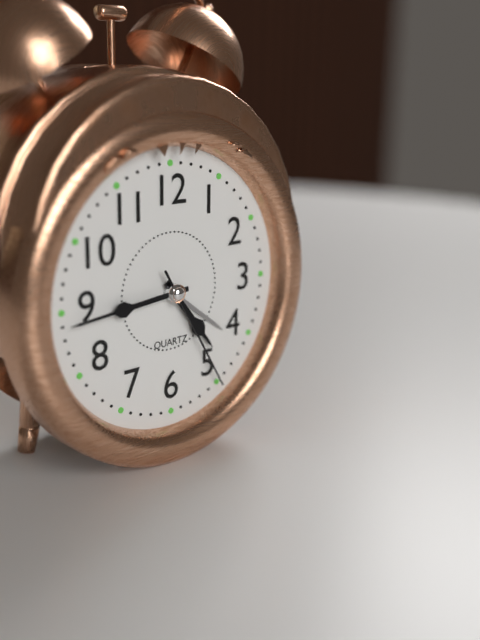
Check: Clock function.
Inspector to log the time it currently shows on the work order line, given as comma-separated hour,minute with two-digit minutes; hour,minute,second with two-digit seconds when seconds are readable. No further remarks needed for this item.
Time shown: 4,44,25
